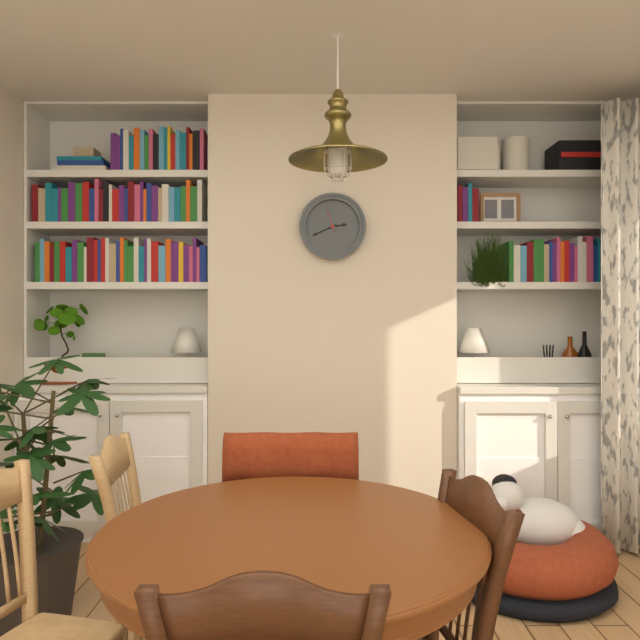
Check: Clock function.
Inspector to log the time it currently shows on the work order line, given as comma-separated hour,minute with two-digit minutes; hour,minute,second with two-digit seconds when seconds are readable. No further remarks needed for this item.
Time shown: 2,41
